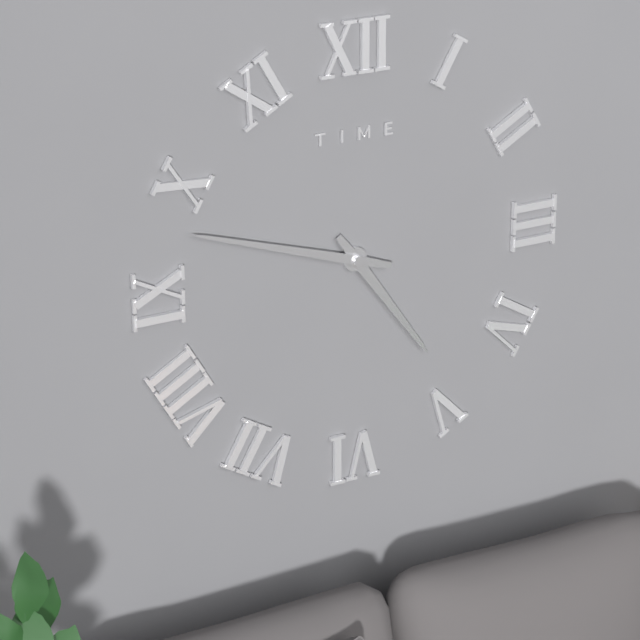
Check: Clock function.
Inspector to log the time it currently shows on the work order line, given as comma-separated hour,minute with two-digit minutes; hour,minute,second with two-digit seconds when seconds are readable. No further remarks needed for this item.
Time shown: 4,48
